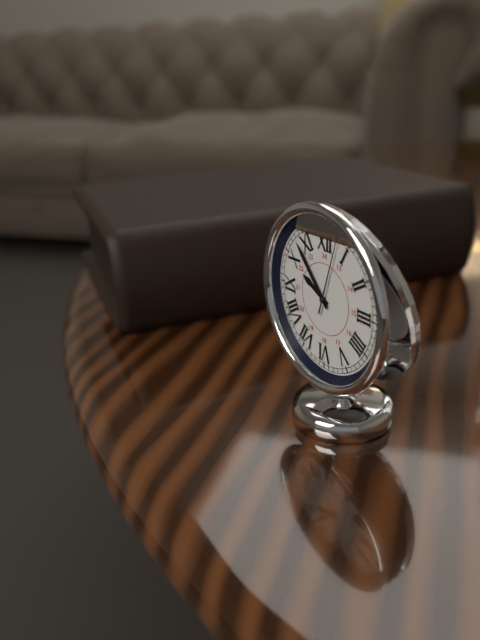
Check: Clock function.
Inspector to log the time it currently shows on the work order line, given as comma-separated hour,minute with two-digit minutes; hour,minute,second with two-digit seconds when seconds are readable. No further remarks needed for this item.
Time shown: 9,53,03
